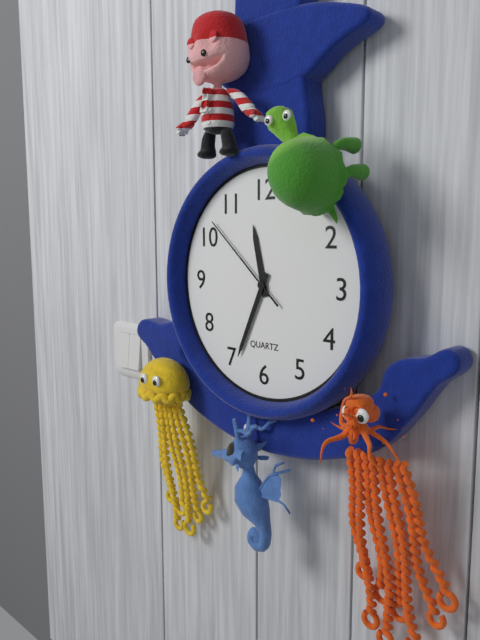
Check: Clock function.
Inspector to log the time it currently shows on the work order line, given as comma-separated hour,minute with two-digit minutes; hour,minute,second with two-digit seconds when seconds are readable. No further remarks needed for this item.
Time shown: 11,34,52
